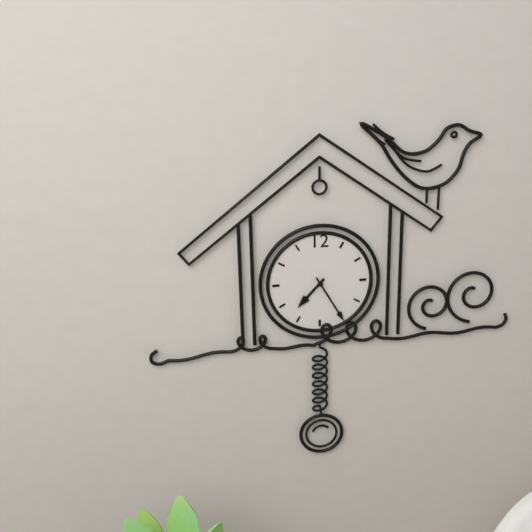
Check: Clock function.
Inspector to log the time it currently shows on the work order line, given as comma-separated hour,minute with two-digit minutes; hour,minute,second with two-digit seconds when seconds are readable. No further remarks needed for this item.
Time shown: 7,25
